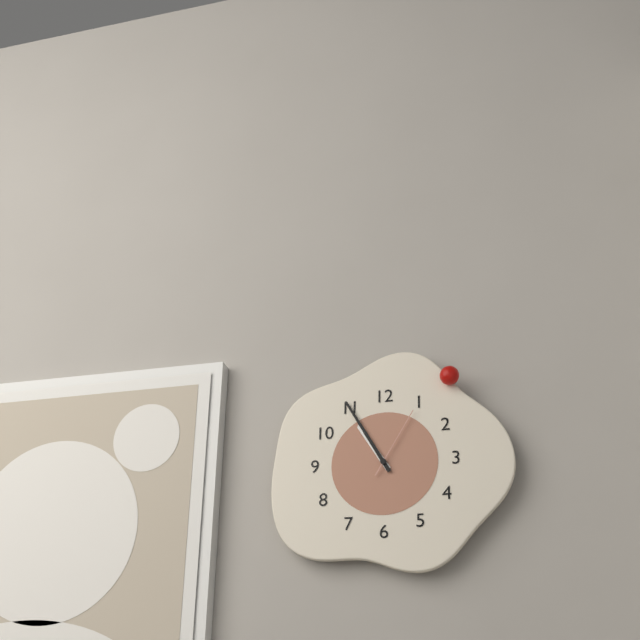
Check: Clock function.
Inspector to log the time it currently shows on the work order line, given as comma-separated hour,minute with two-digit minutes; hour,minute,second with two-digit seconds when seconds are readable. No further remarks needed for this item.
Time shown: 10,55,05
